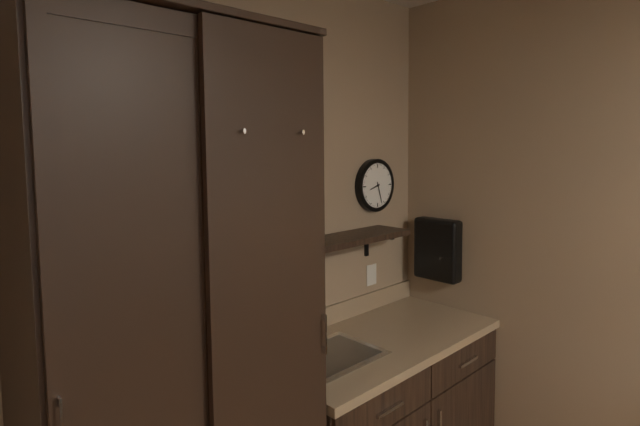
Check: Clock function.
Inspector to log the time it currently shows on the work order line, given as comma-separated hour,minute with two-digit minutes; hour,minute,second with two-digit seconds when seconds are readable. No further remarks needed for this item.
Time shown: 8,27
